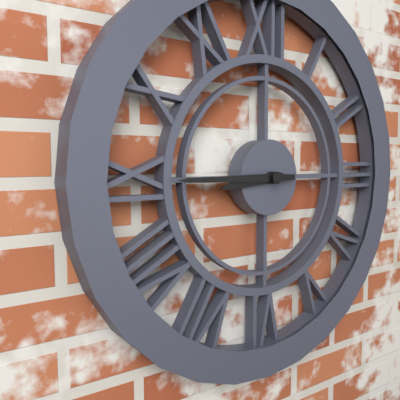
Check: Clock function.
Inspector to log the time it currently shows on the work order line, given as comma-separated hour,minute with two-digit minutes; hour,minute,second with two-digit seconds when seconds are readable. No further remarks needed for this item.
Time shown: 8,45
